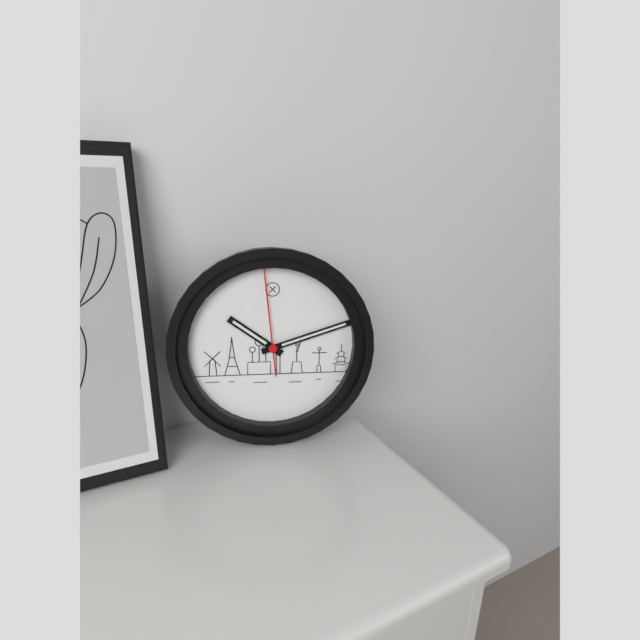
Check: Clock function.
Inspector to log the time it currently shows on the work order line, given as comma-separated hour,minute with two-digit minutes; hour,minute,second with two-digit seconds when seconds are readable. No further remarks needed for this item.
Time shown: 10,12,59
